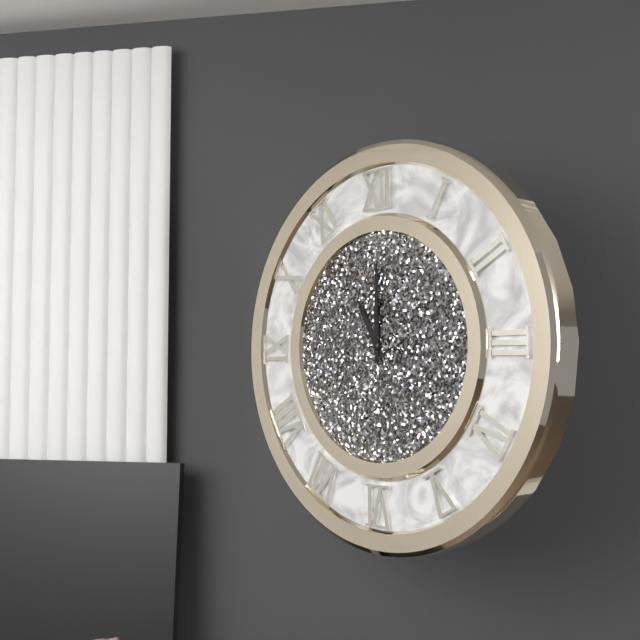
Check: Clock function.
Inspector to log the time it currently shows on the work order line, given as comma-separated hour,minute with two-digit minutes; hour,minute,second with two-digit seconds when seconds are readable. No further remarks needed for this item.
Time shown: 11,00
